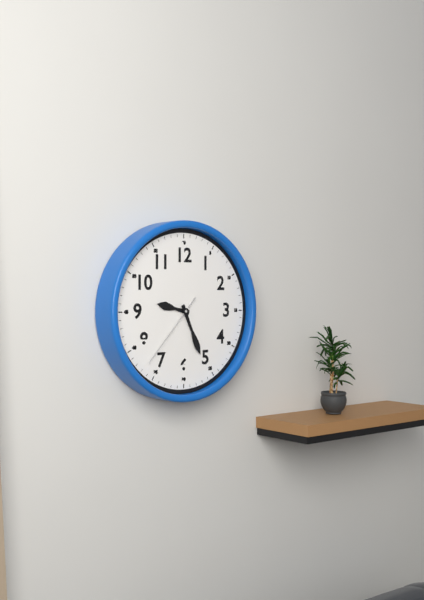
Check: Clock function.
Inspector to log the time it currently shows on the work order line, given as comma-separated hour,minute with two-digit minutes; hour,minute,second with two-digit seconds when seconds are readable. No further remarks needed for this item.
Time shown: 9,26,37
